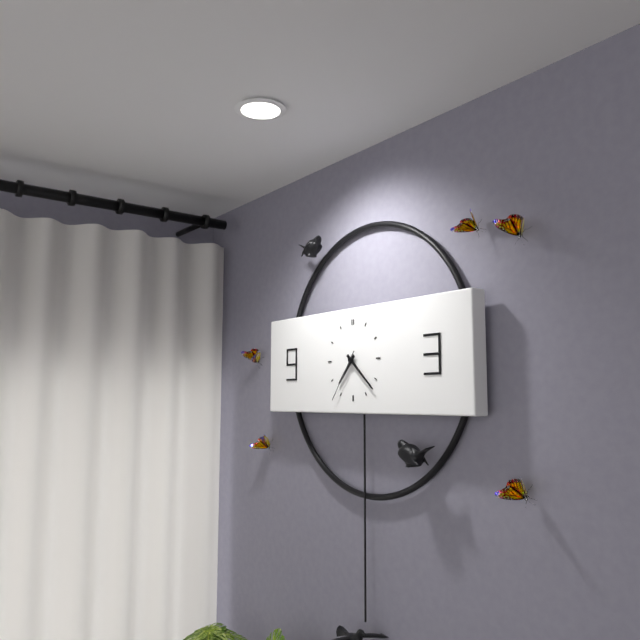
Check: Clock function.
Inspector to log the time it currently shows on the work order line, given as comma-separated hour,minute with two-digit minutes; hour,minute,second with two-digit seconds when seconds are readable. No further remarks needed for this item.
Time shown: 7,22,36
